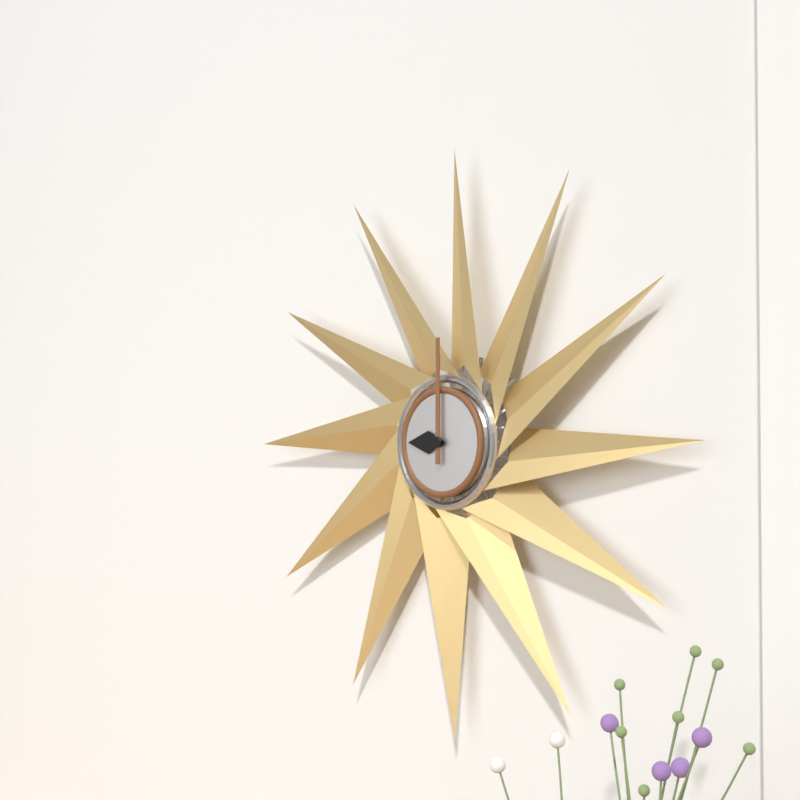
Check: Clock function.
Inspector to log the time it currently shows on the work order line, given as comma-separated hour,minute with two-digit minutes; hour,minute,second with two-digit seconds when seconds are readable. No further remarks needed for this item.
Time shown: 9,00
